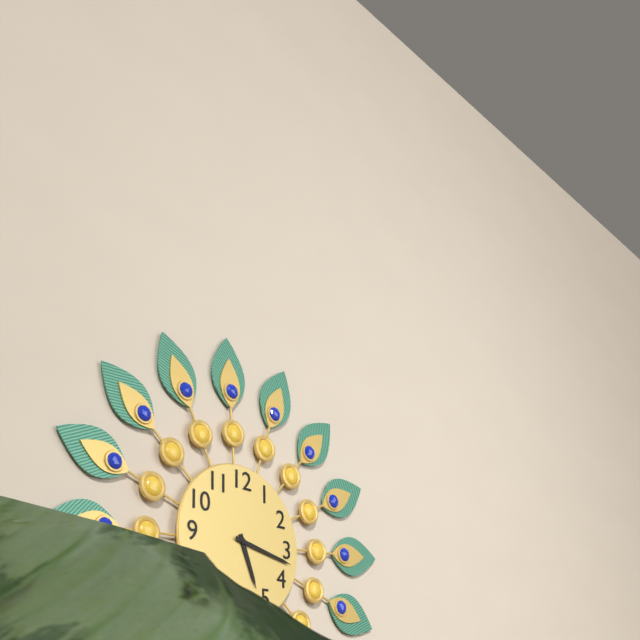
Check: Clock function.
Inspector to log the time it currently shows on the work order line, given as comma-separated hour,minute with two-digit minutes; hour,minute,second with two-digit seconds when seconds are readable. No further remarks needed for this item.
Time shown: 5,17
